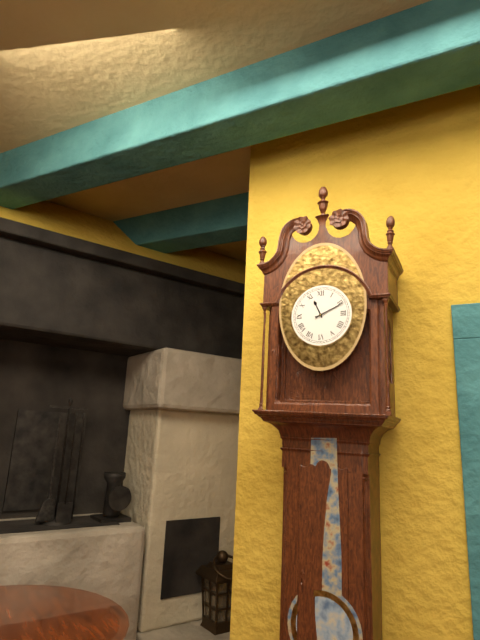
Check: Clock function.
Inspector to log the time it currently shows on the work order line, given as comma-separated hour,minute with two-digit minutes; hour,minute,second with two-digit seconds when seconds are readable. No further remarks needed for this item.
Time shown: 11,11
